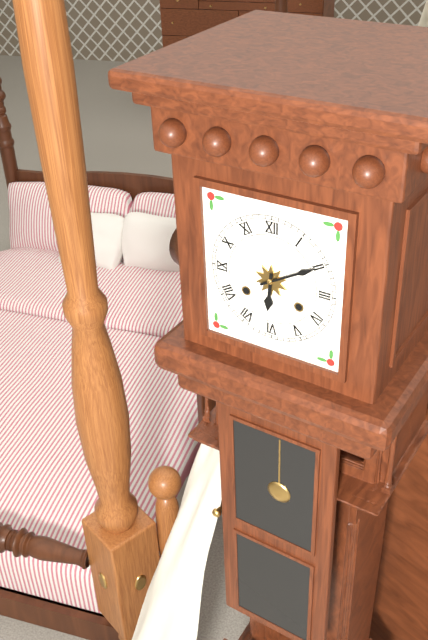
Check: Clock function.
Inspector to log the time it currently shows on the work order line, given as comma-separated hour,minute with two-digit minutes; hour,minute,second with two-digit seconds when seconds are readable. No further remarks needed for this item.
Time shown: 6,10
